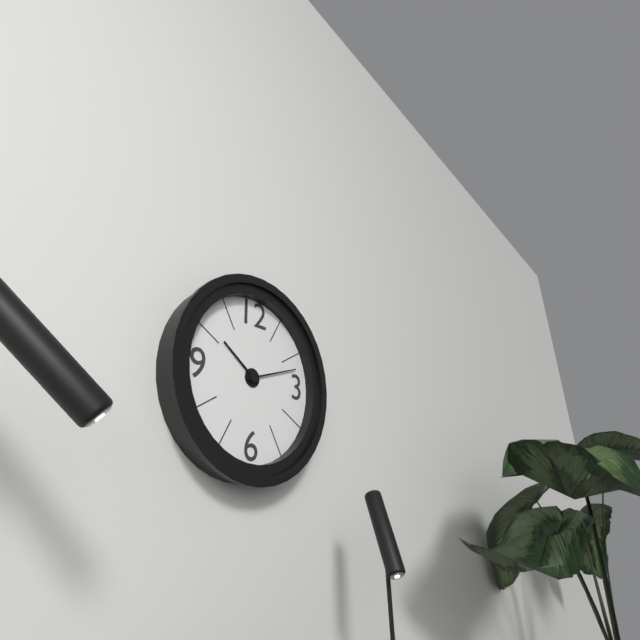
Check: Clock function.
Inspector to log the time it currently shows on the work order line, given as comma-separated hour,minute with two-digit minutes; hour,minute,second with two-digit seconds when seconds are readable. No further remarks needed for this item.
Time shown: 10,12
